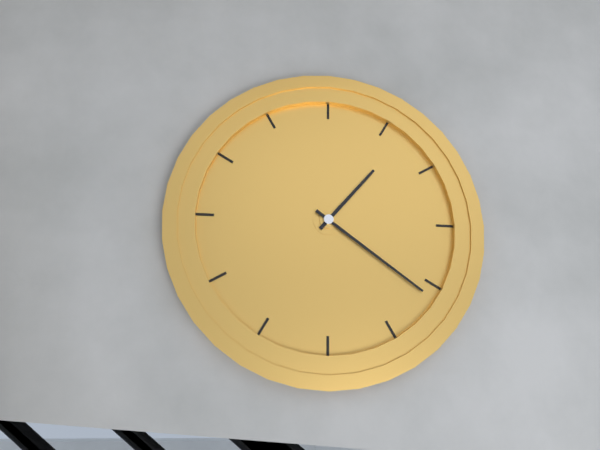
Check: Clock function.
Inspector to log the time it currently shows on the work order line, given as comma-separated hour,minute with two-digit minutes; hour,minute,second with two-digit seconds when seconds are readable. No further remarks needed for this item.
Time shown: 1,21
